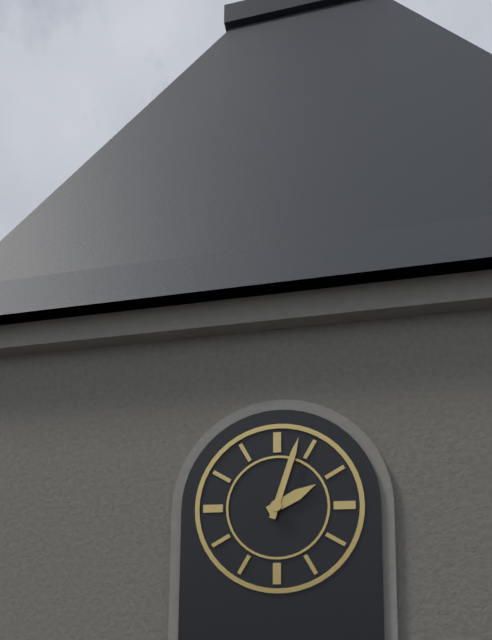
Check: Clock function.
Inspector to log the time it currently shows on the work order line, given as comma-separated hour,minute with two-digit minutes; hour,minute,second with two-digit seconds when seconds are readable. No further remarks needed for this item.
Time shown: 2,03
